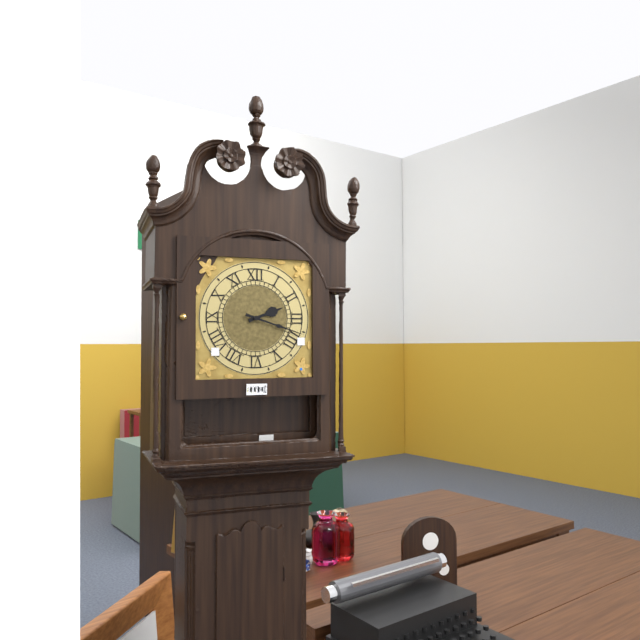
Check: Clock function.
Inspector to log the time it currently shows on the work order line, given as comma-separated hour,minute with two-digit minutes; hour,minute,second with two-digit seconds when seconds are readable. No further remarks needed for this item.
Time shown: 2,18
